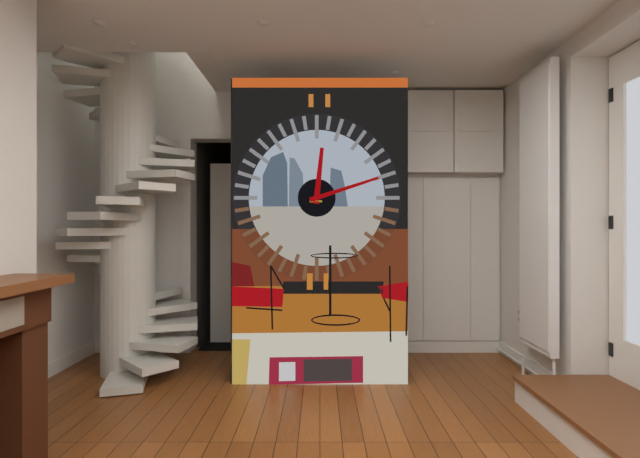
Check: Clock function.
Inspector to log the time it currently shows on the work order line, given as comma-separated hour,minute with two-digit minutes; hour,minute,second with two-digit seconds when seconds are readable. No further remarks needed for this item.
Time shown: 12,12
